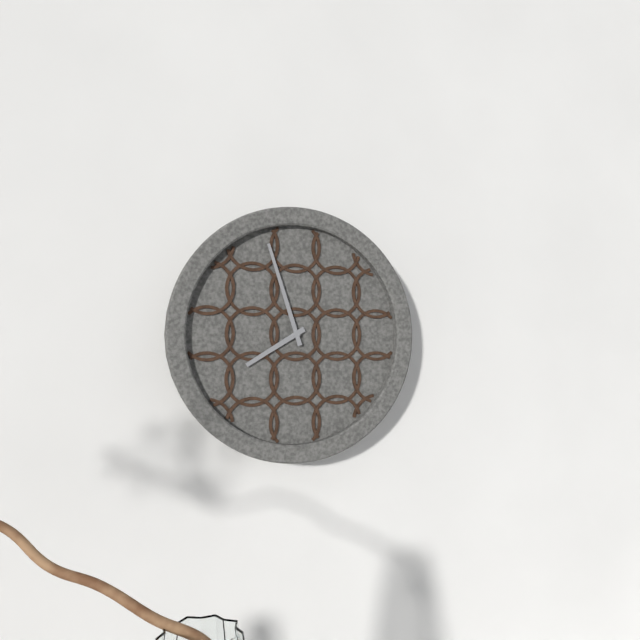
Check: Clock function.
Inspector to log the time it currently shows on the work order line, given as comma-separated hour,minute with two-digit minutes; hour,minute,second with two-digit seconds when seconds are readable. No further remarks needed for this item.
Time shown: 7,57
